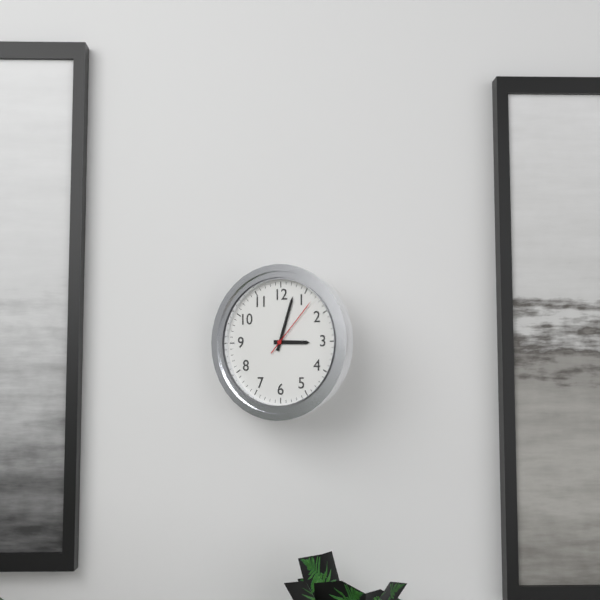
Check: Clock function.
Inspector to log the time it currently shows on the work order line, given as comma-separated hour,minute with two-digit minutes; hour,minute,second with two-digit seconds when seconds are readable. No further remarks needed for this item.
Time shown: 3,03,07
